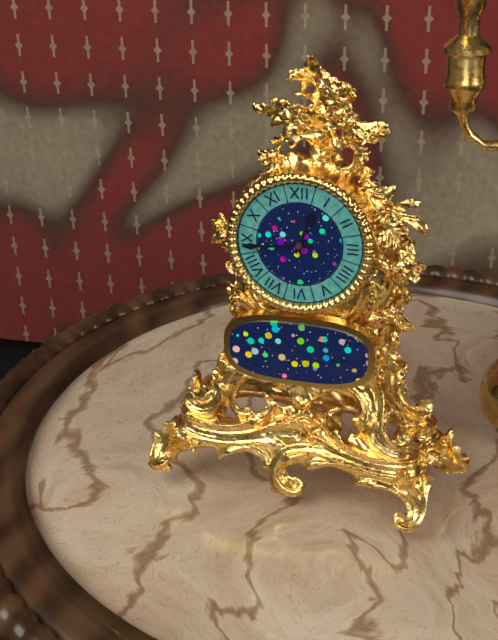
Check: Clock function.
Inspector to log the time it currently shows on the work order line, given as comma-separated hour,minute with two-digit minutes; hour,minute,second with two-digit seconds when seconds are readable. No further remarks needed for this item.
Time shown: 12,44
